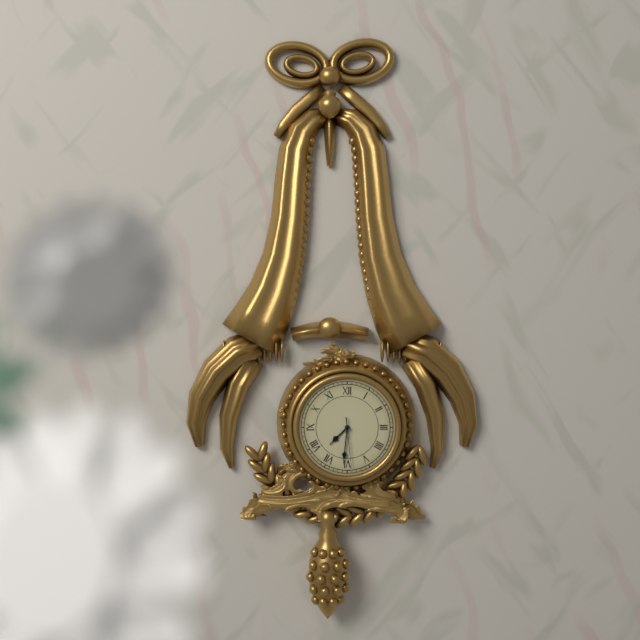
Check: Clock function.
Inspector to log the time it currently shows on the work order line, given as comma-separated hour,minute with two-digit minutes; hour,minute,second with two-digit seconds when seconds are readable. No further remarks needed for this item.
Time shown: 7,31,29
